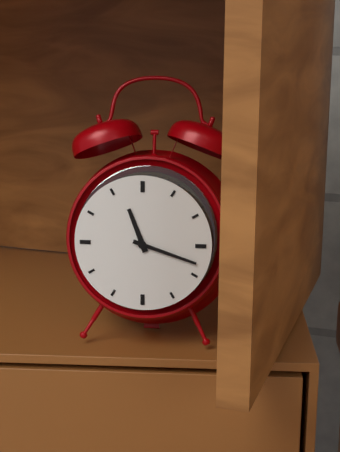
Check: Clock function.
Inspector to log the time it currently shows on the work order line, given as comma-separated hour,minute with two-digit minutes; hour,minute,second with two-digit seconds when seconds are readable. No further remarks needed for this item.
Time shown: 11,18
